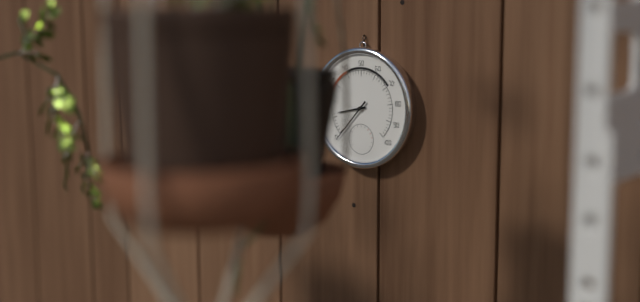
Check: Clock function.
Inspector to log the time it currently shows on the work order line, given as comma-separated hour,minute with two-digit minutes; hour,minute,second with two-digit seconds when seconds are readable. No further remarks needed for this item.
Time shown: 8,37
